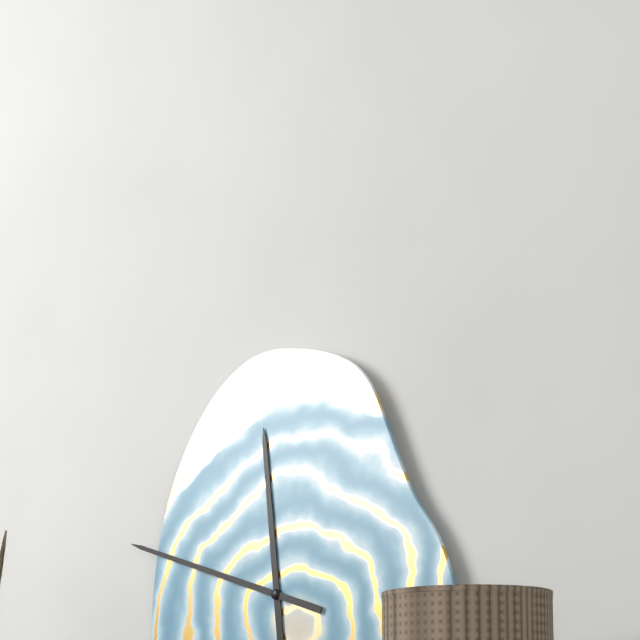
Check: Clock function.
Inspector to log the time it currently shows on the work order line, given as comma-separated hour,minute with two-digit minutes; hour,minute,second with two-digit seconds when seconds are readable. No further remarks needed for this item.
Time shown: 11,48
